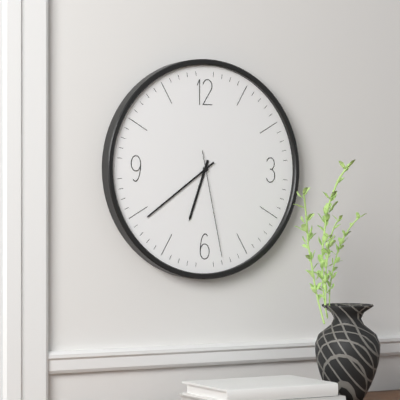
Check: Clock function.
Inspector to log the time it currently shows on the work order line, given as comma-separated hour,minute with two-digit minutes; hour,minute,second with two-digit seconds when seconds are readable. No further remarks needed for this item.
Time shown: 6,39,28
